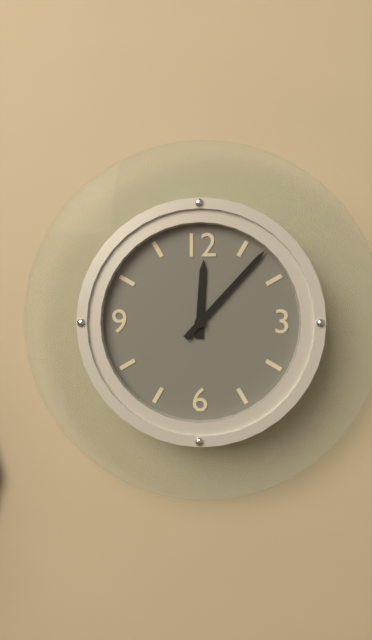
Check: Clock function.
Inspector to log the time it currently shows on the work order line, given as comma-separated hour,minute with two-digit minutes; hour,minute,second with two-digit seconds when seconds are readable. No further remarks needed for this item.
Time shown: 12,07
